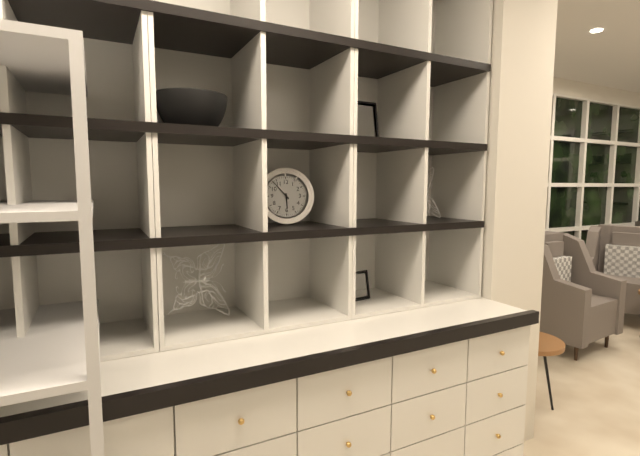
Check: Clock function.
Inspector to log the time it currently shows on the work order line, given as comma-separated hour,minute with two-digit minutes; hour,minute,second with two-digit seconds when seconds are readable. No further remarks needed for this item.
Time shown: 5,53
